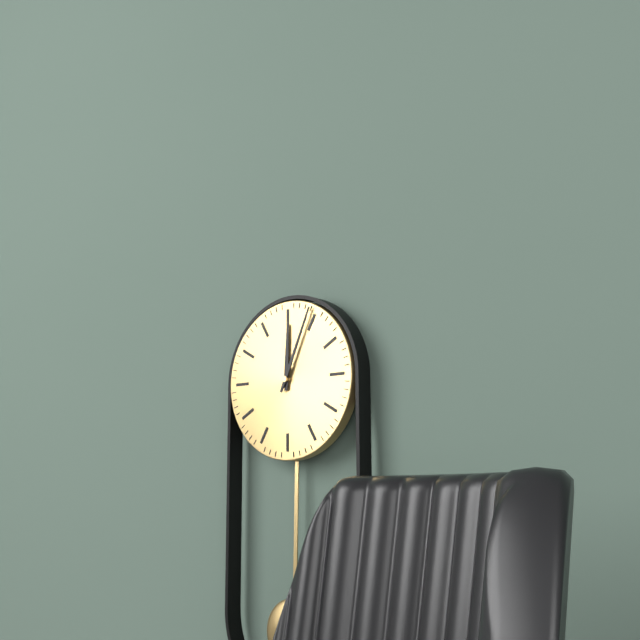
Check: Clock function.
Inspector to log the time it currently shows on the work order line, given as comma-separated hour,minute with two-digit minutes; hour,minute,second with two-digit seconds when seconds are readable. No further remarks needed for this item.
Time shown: 12,04
